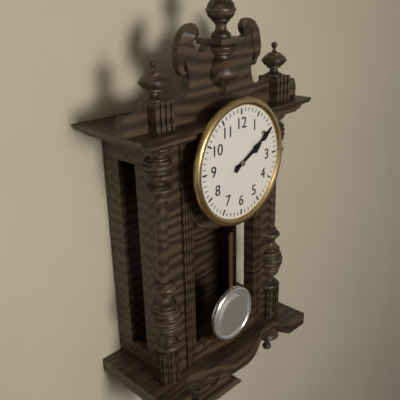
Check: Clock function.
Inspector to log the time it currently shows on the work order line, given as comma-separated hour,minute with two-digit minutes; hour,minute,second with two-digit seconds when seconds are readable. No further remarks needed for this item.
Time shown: 2,10
